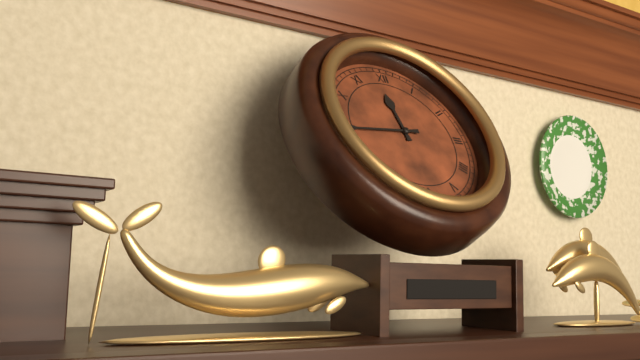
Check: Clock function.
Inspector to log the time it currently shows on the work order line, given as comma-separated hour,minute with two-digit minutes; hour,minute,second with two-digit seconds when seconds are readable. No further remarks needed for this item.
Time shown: 11,44
